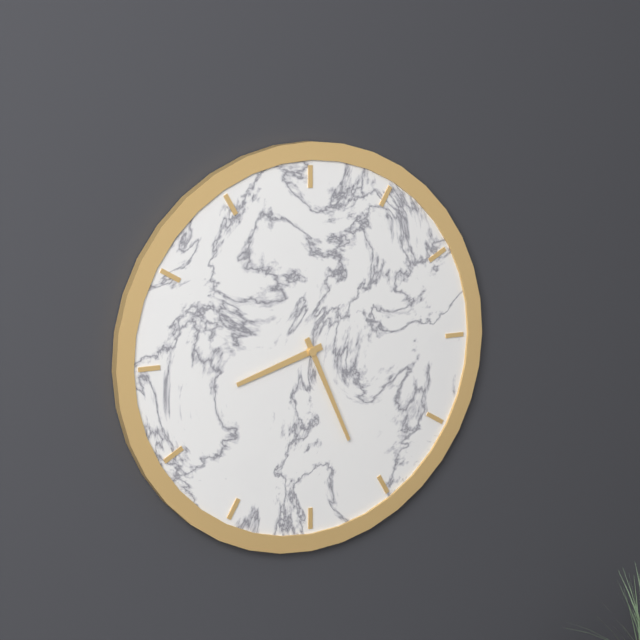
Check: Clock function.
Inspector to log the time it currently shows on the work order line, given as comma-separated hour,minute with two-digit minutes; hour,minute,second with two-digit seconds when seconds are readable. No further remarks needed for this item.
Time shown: 8,26
